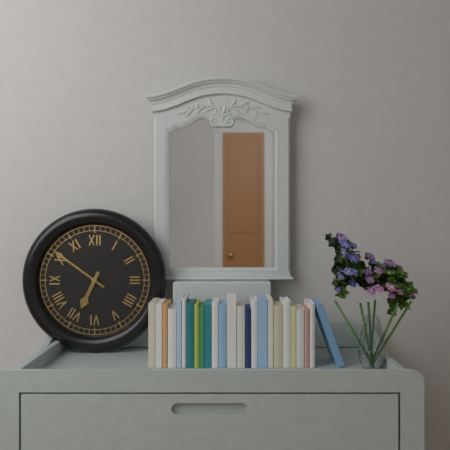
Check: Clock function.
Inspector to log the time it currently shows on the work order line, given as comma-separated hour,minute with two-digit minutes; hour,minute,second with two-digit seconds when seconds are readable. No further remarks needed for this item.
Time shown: 6,51
